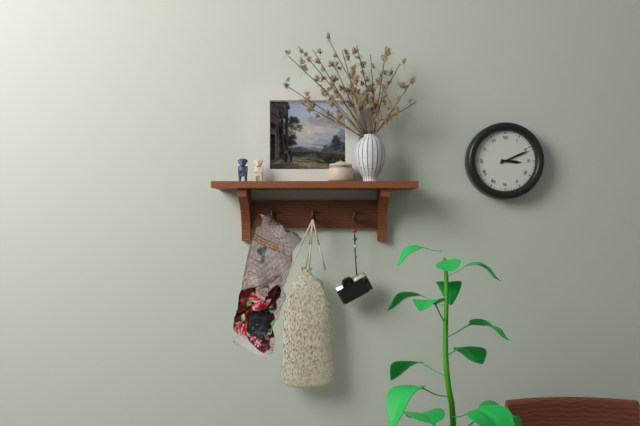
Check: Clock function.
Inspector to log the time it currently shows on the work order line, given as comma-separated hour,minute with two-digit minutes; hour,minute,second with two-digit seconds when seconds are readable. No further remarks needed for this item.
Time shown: 3,11
